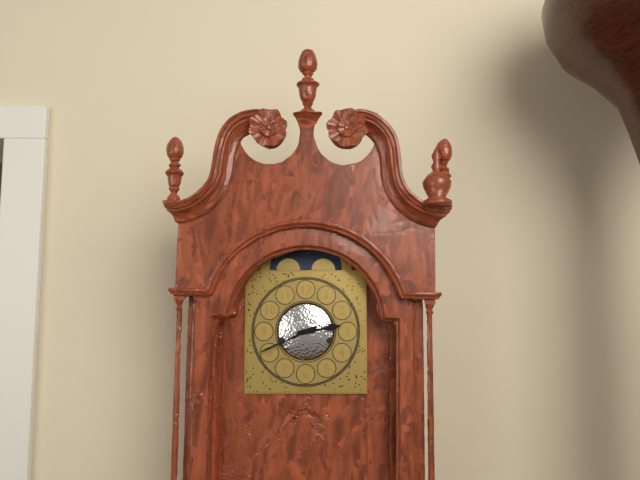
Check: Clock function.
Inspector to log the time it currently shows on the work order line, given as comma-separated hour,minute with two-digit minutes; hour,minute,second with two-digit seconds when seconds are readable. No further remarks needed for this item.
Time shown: 2,41
